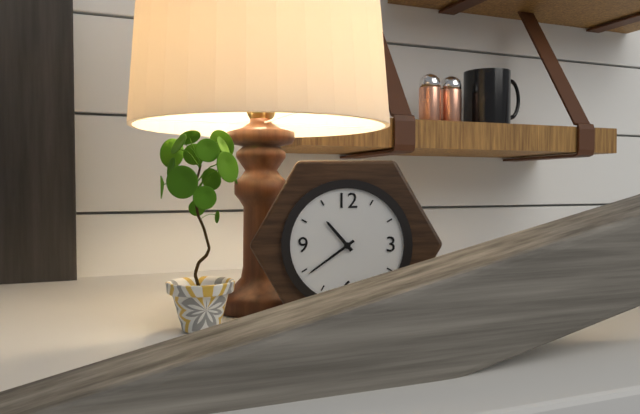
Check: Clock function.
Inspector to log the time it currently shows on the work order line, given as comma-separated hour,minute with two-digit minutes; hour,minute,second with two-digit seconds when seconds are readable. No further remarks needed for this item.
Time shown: 10,39
